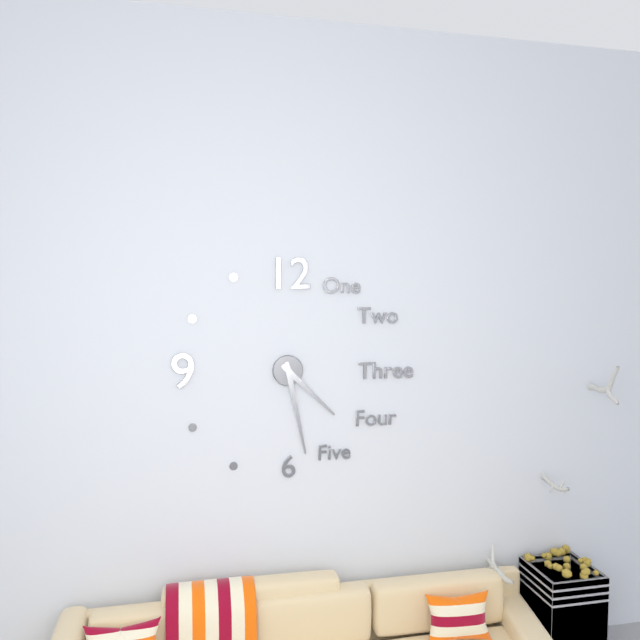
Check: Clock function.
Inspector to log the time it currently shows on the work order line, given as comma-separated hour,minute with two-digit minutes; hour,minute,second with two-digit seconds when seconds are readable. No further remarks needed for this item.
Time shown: 4,28
